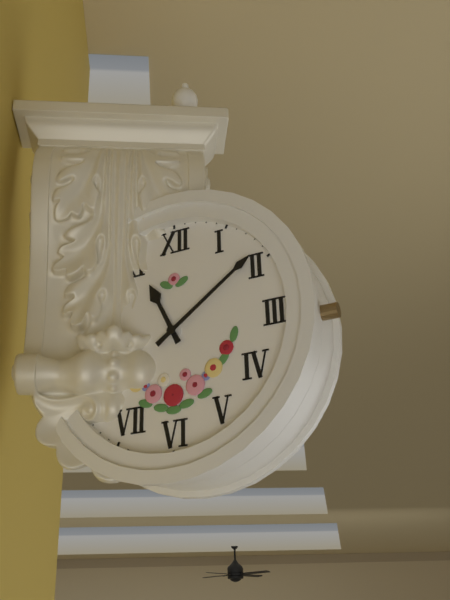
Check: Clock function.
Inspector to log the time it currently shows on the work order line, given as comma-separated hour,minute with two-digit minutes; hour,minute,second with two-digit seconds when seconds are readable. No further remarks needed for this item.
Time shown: 11,09
